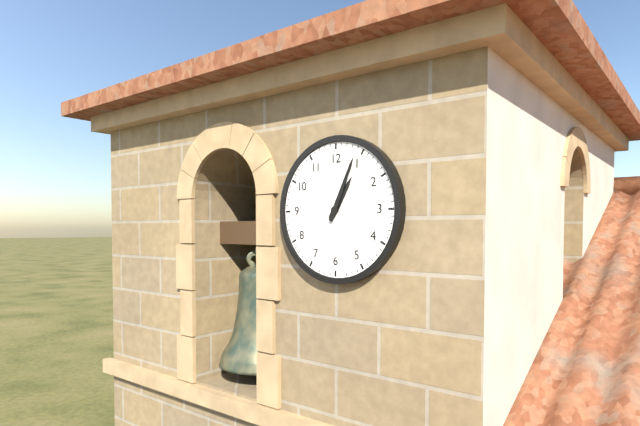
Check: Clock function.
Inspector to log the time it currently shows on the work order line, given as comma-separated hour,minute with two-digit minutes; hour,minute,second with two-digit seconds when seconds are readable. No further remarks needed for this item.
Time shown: 1,04
